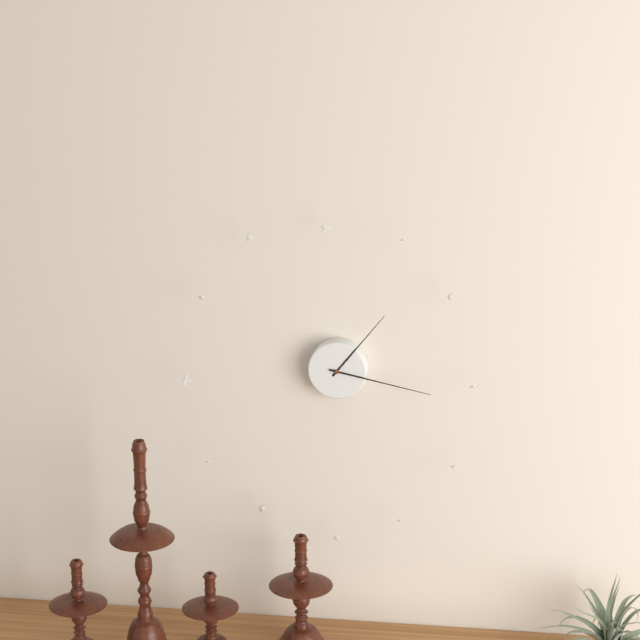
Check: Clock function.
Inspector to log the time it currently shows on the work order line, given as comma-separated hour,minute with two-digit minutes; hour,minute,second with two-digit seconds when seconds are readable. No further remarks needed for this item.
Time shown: 1,17
